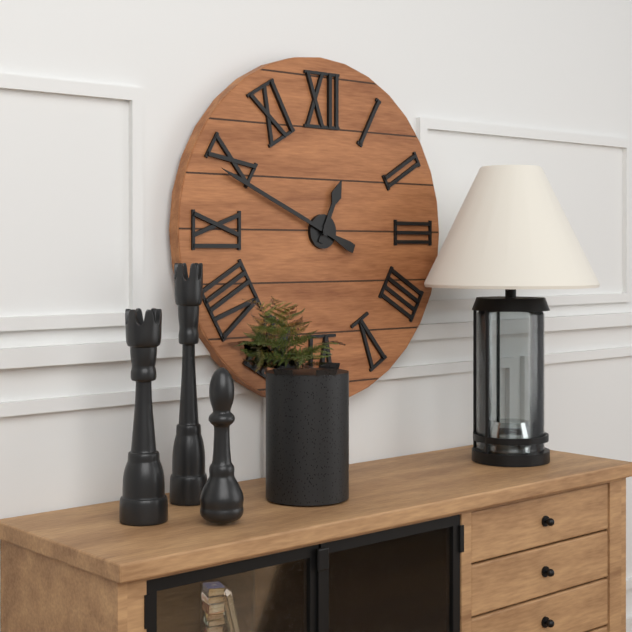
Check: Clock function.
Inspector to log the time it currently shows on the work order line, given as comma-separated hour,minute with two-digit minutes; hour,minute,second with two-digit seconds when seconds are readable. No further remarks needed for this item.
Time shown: 12,49
